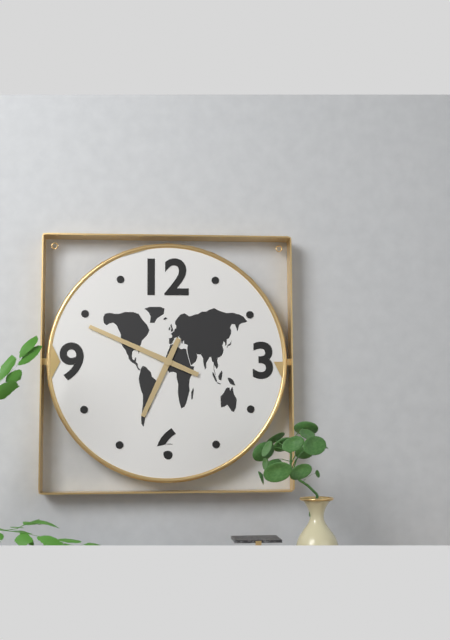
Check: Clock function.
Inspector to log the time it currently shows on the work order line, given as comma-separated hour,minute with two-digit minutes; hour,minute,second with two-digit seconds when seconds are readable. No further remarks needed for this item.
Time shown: 6,49
